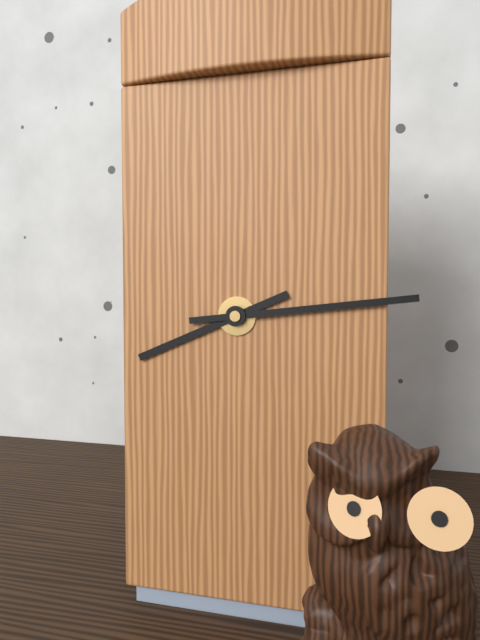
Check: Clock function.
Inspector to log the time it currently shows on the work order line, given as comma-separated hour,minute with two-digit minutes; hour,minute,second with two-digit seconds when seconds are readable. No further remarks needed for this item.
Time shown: 8,14
